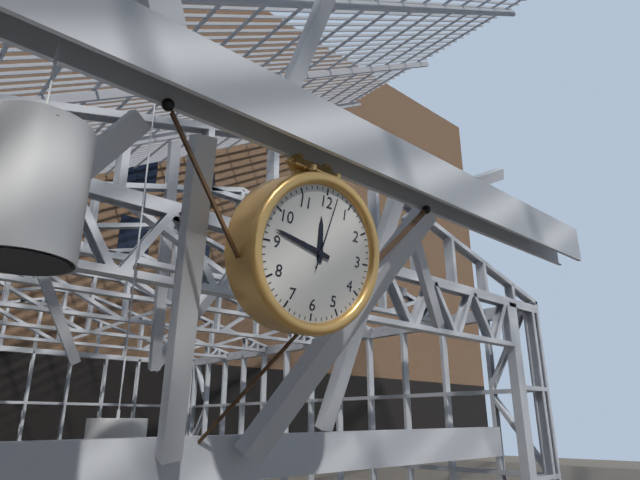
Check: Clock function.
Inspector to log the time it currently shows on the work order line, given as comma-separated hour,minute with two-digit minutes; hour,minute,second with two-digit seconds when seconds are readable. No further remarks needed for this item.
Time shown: 11,47,02
